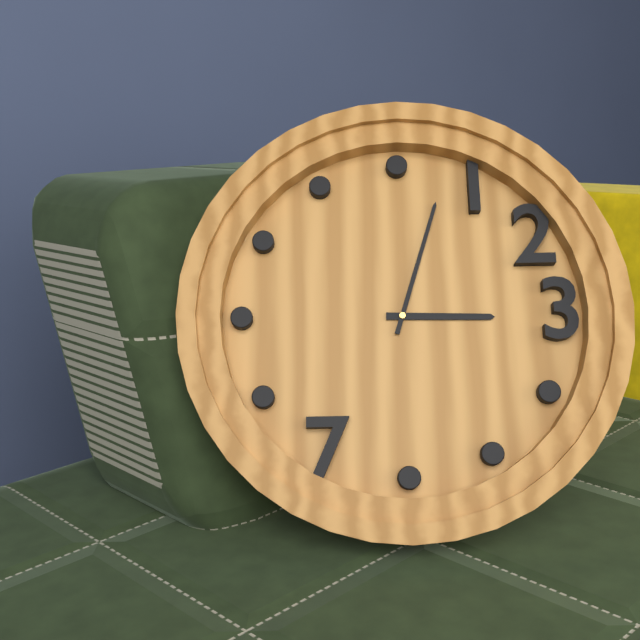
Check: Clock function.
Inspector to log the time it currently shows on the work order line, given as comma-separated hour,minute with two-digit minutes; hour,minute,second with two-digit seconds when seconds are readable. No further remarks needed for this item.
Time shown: 3,03
